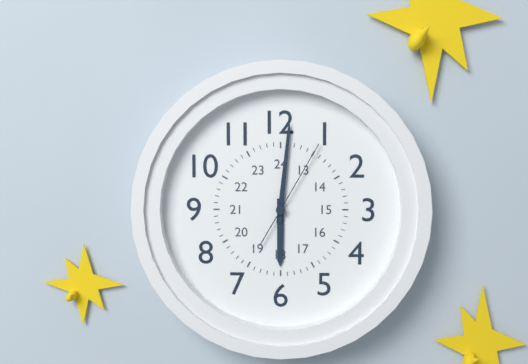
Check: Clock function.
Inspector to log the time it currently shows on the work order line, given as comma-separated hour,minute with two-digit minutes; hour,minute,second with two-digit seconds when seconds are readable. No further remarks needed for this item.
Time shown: 6,01,05
